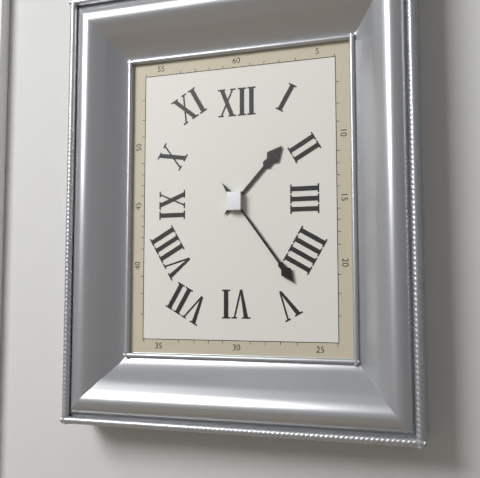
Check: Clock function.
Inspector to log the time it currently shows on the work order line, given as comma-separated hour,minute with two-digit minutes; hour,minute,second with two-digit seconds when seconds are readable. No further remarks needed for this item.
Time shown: 1,24
